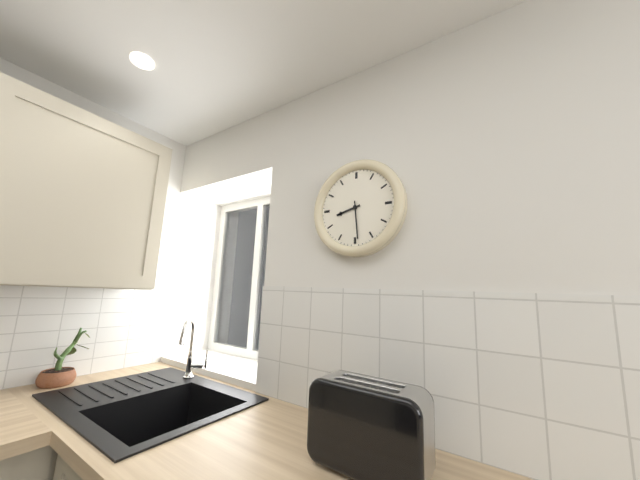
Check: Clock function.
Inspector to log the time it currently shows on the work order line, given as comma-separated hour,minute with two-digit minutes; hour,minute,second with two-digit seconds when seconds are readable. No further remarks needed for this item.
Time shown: 8,29
